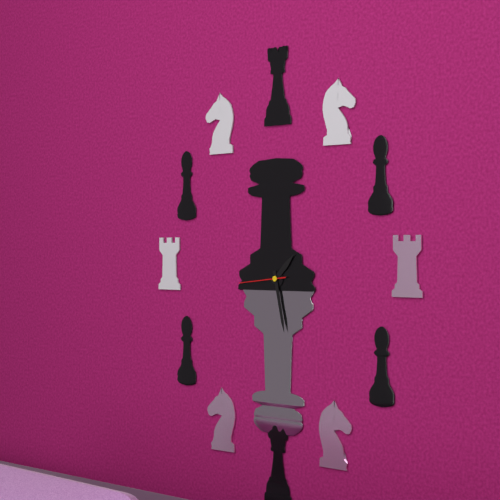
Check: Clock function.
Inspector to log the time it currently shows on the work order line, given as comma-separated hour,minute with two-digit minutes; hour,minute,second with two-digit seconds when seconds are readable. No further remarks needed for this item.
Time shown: 1,28
